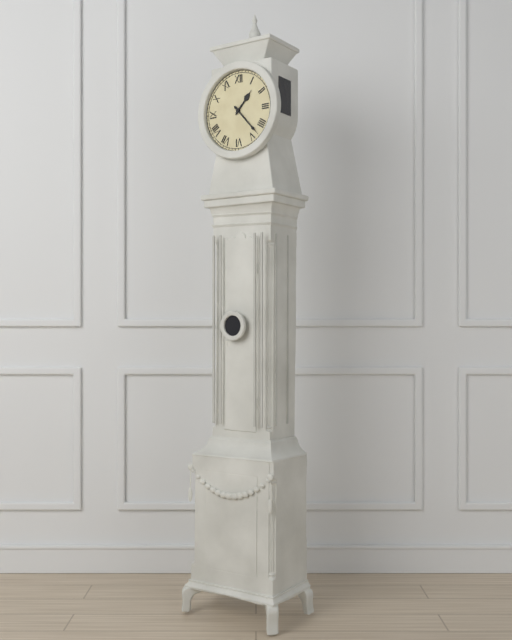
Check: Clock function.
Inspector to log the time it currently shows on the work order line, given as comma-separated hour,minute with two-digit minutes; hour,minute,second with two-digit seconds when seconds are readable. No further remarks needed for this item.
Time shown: 1,23
